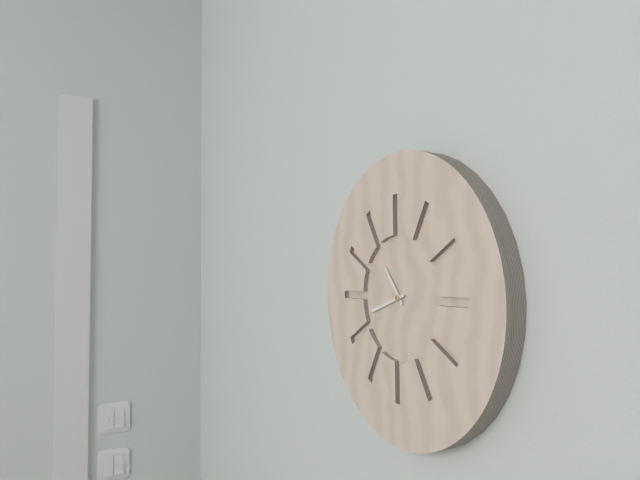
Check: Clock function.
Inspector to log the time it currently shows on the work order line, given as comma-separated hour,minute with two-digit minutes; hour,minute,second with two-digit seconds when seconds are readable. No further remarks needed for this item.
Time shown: 10,42
